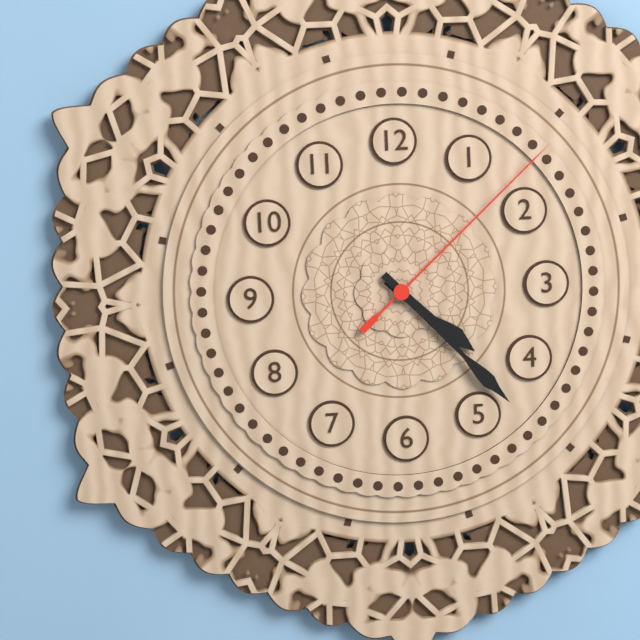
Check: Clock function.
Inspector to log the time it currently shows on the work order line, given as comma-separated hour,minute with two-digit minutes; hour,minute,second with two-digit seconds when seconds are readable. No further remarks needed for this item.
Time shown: 4,23,08
